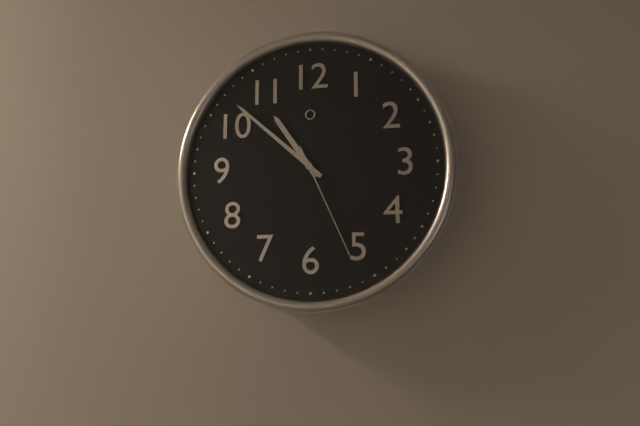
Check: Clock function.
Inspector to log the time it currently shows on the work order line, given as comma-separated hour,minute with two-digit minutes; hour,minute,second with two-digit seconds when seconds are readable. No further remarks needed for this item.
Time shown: 10,52,26
